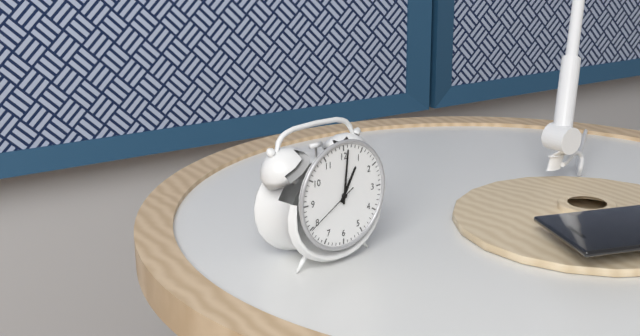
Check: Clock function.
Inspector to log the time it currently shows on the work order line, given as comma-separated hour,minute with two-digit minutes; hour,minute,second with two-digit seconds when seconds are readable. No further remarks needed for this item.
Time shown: 1,01,40
